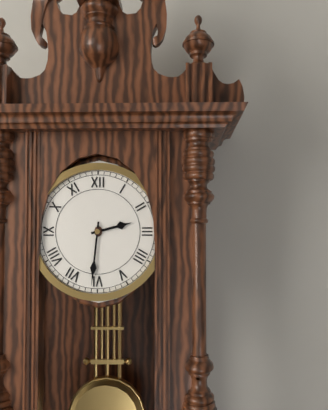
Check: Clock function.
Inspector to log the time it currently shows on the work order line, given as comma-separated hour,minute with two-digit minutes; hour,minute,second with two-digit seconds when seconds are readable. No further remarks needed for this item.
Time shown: 2,31
